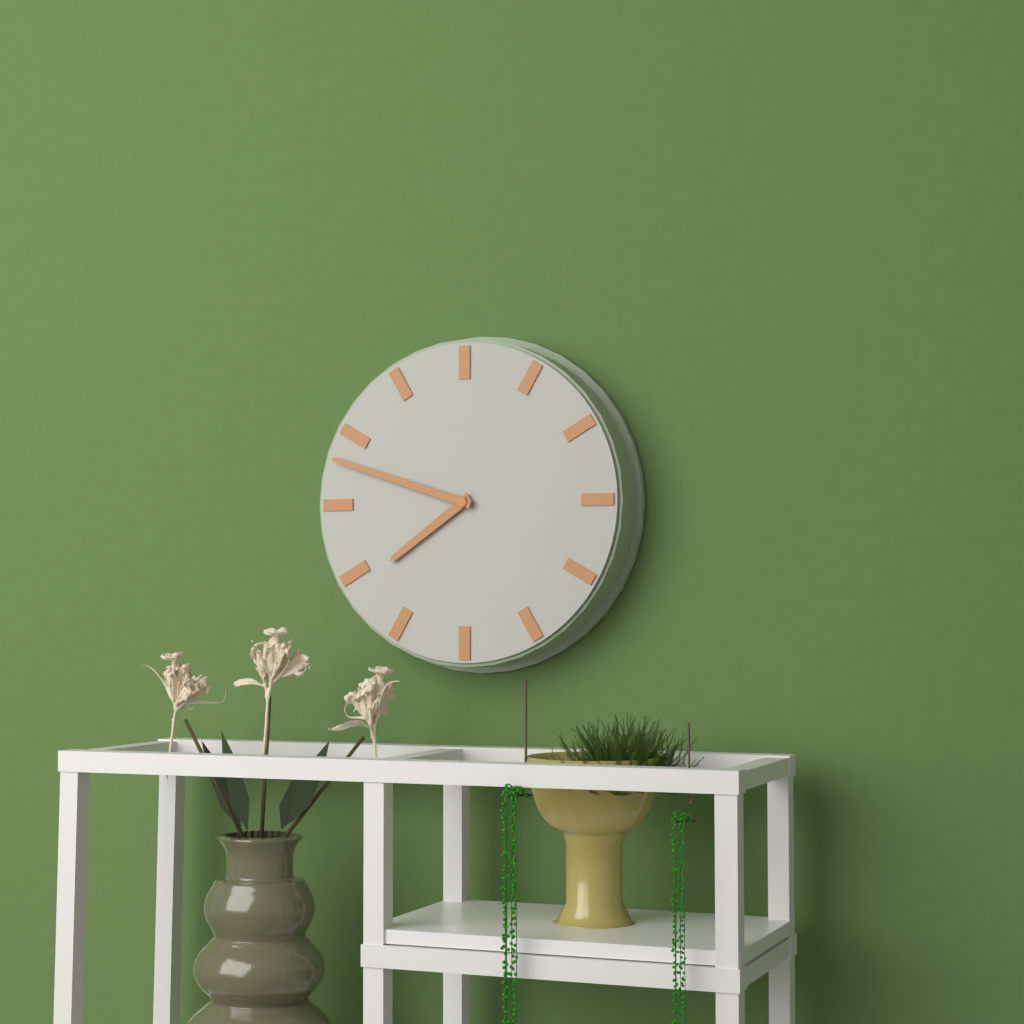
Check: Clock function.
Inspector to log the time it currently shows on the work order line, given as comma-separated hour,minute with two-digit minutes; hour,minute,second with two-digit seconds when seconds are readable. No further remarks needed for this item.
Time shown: 7,48
